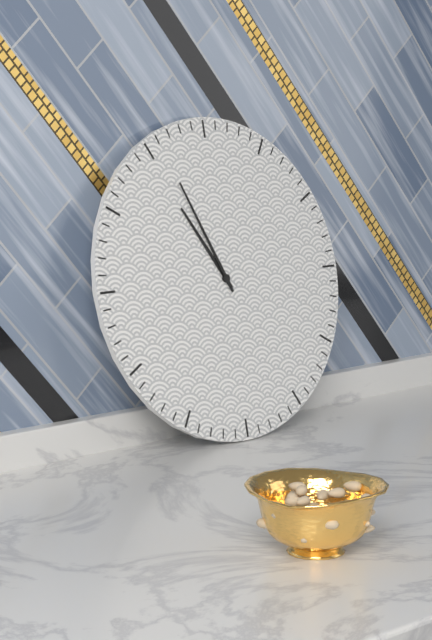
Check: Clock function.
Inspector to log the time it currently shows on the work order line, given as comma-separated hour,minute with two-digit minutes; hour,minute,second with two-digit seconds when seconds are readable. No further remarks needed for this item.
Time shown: 10,56
